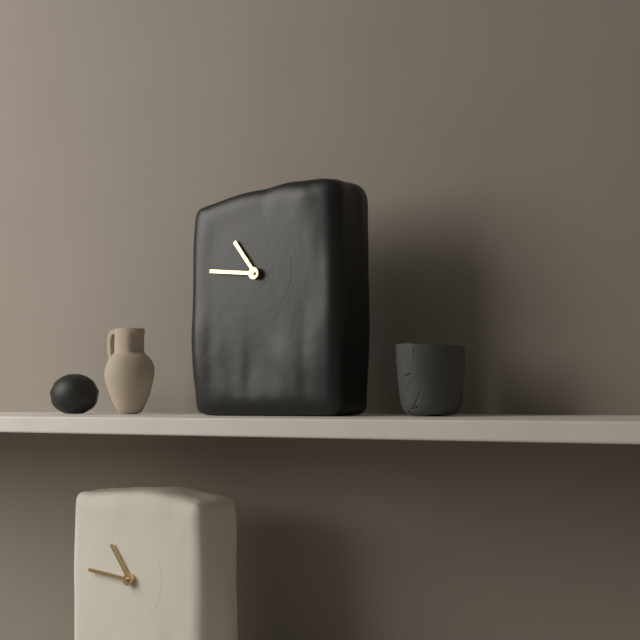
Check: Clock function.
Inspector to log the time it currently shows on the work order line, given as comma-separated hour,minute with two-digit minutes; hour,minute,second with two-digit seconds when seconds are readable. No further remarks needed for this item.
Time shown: 10,46
